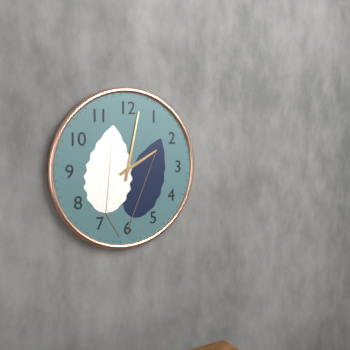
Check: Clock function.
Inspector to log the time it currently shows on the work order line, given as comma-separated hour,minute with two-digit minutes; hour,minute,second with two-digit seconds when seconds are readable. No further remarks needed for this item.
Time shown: 2,02
